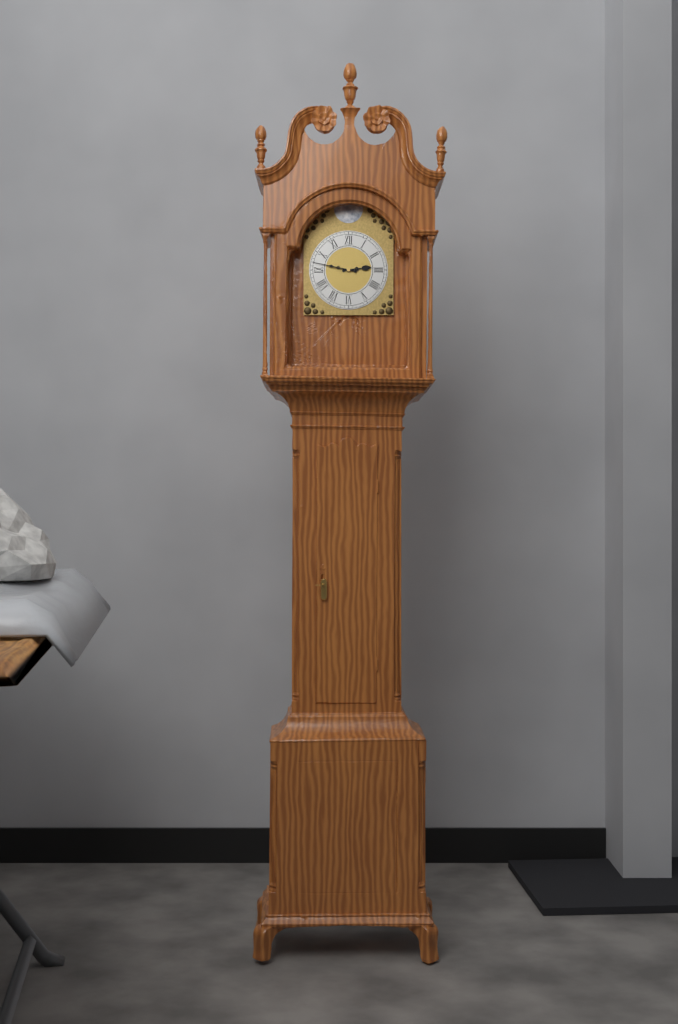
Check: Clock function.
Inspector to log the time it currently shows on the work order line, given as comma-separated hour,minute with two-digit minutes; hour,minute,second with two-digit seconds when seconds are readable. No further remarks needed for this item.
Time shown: 2,47
